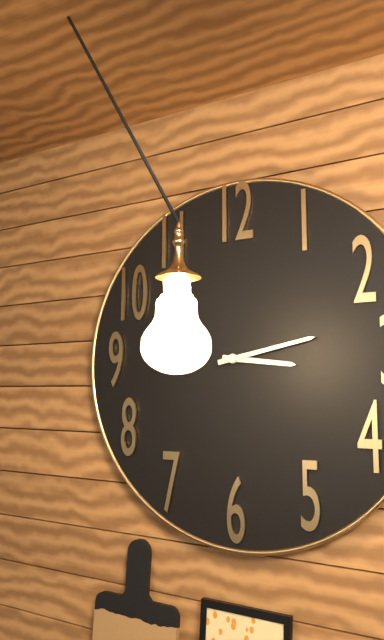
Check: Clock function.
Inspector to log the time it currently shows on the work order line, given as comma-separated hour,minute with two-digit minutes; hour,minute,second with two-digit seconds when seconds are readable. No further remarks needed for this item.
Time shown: 3,13
